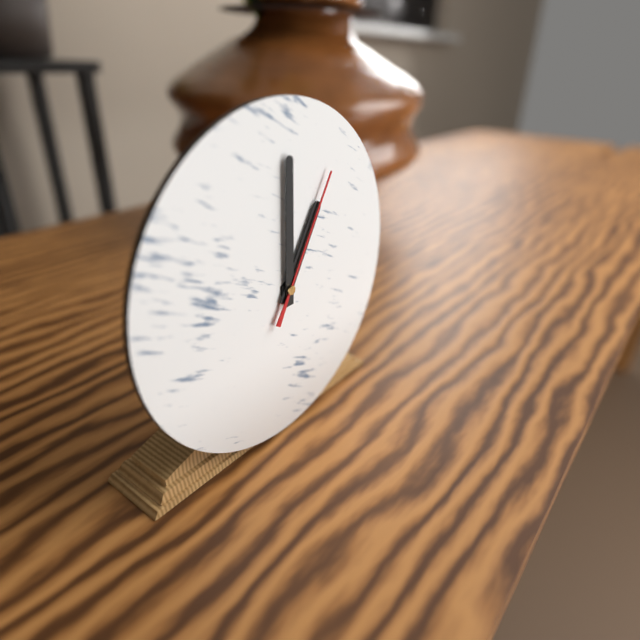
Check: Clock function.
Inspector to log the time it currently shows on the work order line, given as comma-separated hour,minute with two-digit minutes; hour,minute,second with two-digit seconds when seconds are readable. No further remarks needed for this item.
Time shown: 1,00,05
